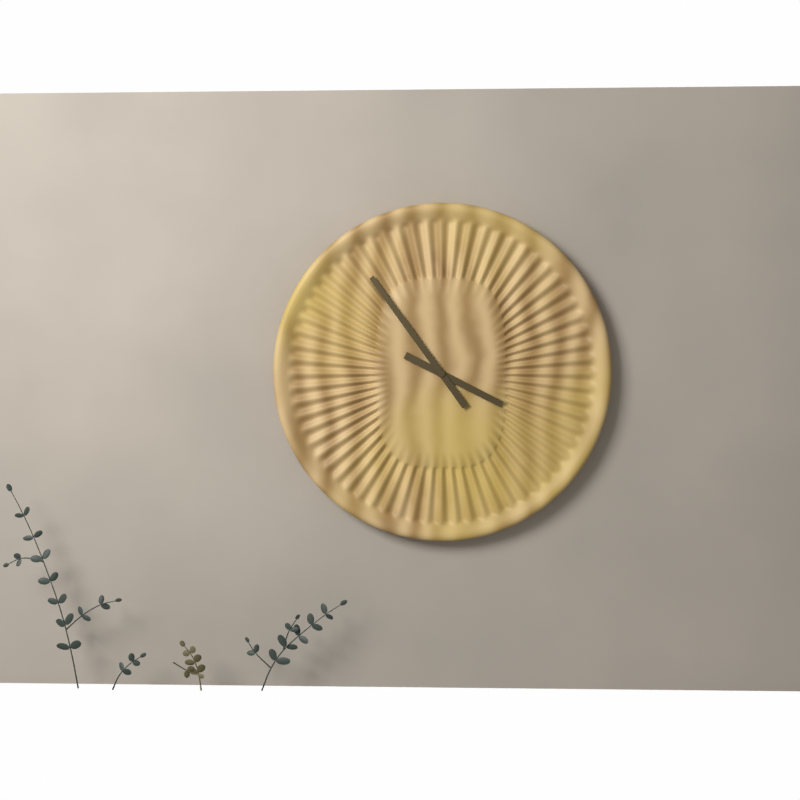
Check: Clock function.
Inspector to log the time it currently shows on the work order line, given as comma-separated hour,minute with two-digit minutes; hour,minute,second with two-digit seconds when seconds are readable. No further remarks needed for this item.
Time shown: 3,54
